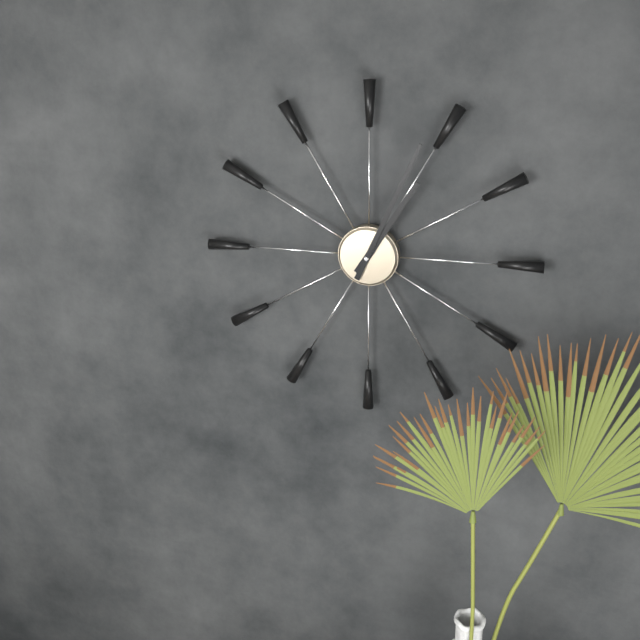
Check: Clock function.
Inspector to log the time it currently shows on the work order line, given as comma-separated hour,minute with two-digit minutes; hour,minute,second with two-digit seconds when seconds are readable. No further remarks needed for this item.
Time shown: 1,04
